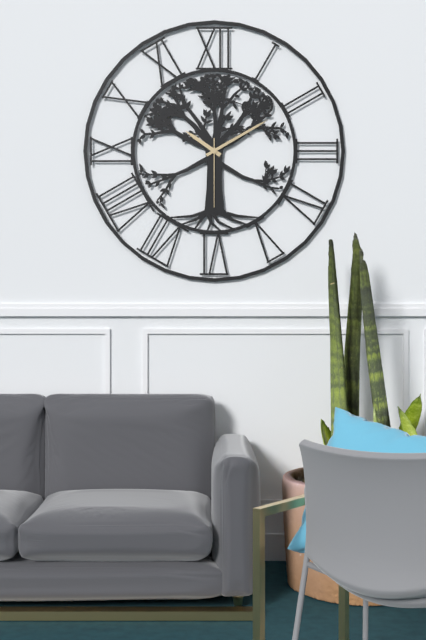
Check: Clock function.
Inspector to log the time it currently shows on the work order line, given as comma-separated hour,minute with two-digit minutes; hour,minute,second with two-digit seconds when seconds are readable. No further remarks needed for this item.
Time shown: 10,10,30
